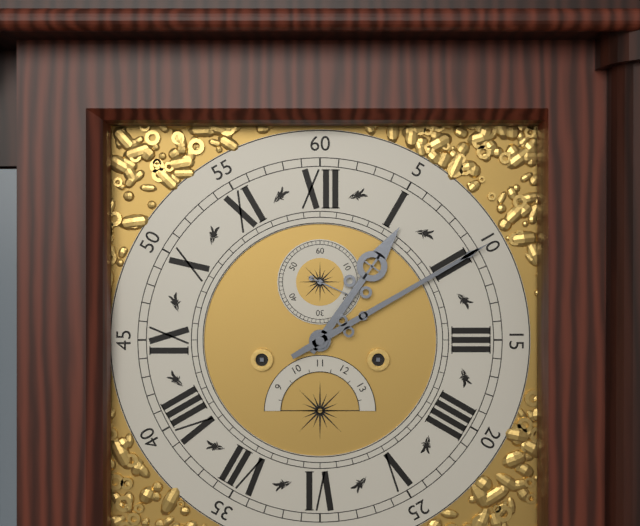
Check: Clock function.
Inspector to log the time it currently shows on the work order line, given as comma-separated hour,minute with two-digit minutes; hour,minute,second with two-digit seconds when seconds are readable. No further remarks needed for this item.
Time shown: 1,10
